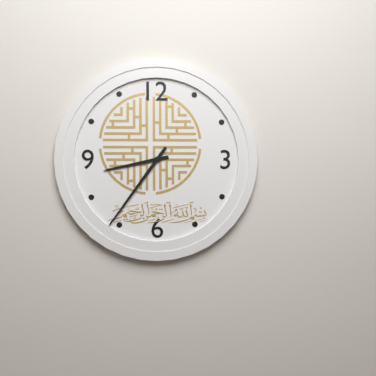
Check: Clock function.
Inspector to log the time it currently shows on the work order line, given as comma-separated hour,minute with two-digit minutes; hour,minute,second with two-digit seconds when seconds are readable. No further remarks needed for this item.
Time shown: 8,36
